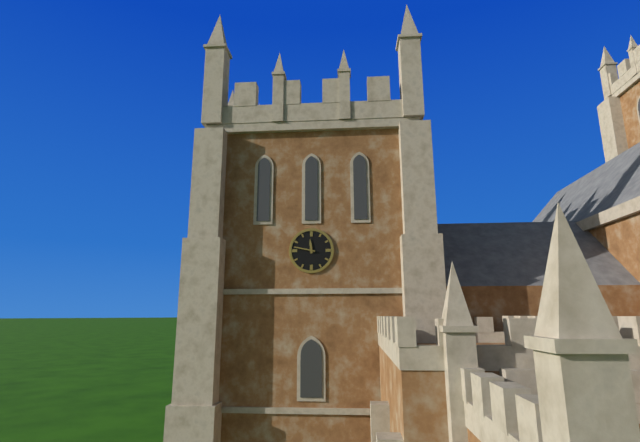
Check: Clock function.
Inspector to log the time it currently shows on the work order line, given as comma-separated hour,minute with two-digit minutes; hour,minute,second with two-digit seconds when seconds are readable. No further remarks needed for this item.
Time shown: 11,47
